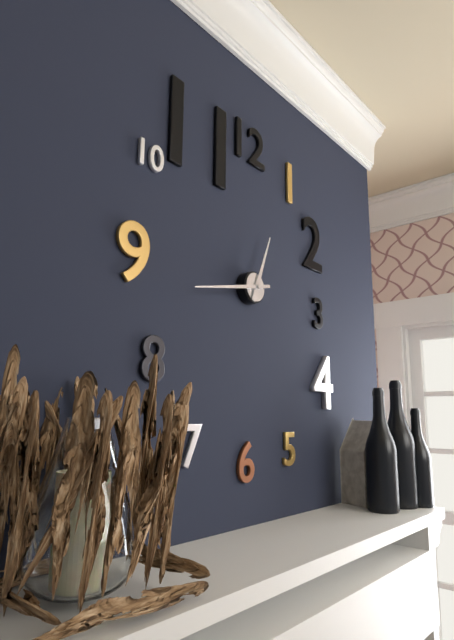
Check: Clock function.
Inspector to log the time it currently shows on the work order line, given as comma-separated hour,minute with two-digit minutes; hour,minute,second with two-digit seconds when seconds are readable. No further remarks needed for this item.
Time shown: 12,43
